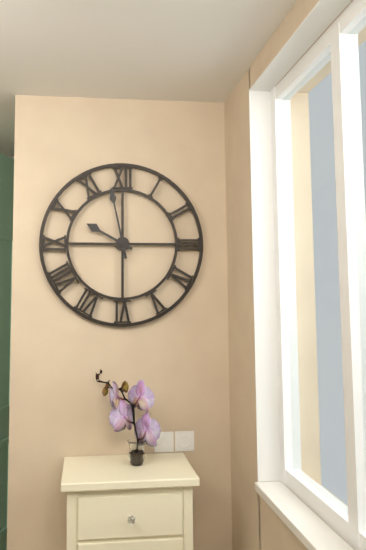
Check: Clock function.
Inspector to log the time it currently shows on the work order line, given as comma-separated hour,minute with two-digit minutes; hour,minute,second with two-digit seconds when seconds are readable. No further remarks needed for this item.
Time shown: 9,58
